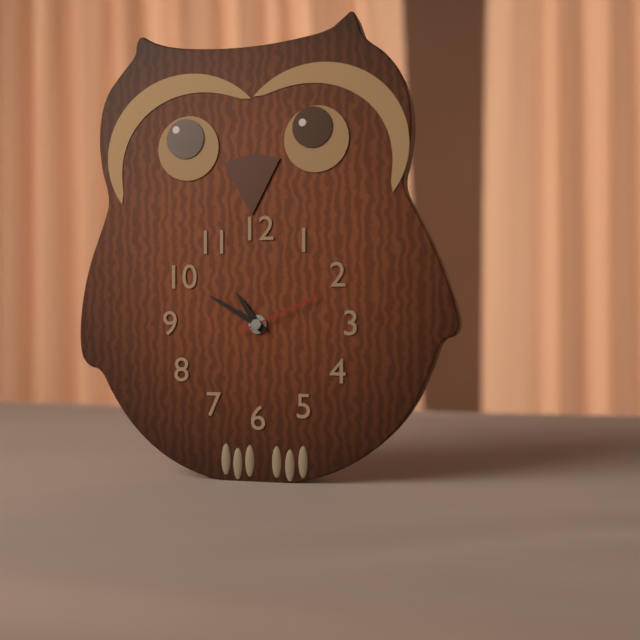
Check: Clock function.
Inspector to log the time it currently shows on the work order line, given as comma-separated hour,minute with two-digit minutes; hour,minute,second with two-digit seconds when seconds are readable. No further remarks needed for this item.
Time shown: 10,50,11
